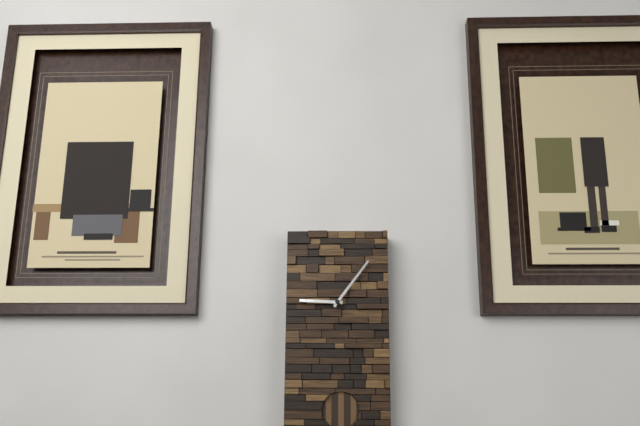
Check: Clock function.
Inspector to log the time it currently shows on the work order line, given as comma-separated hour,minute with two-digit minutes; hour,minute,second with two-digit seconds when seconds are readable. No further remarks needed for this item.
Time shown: 9,06
